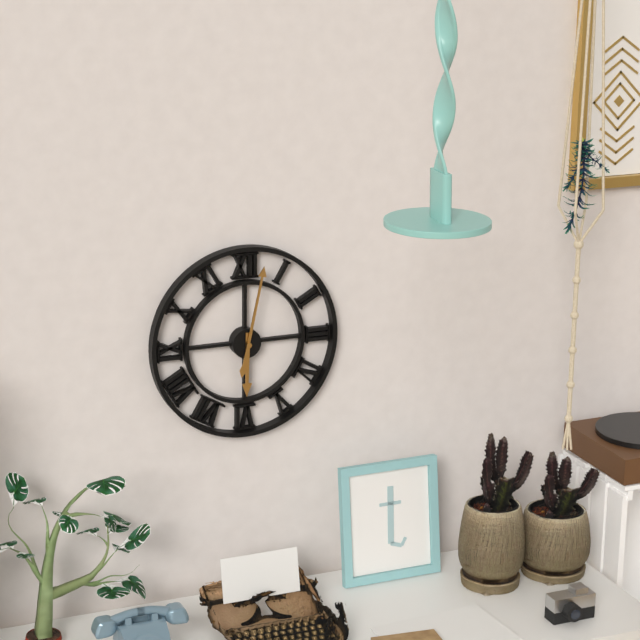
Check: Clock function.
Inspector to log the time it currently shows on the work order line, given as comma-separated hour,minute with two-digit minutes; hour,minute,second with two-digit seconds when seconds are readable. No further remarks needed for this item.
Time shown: 6,02
